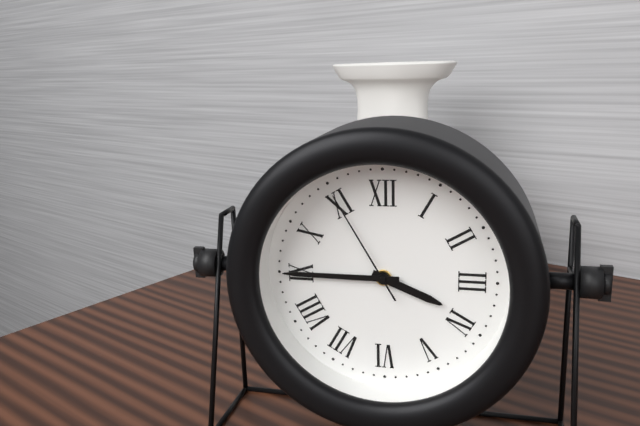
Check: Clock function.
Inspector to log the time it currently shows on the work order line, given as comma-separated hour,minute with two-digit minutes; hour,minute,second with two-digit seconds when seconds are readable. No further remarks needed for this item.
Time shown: 3,45,55
